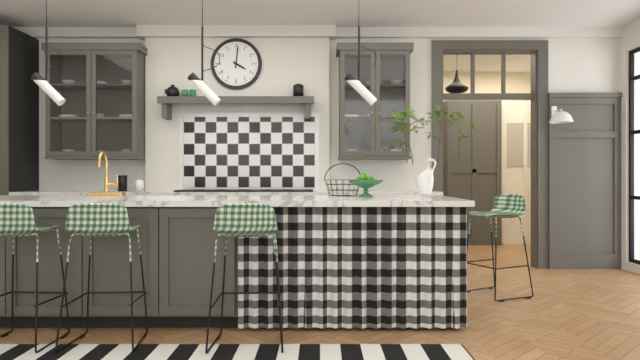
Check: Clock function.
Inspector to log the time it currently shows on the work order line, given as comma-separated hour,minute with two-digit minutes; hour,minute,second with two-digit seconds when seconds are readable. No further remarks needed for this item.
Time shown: 4,01
